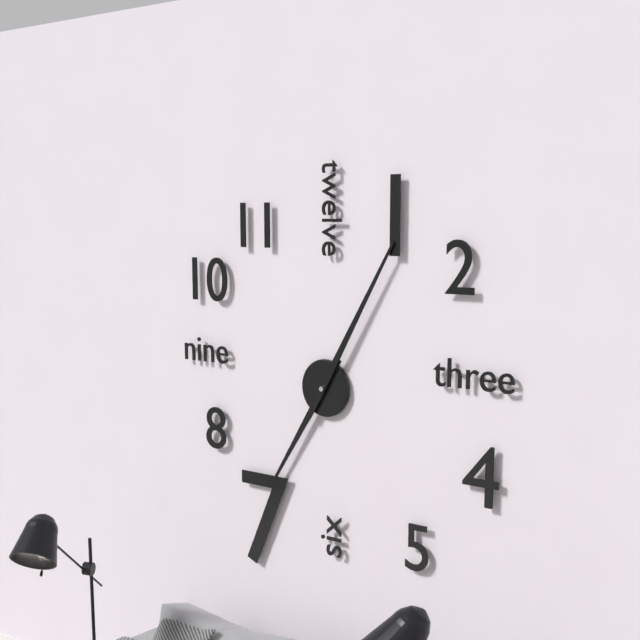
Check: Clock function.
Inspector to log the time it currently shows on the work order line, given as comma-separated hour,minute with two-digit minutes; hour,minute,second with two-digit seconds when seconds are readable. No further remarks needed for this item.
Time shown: 7,05
